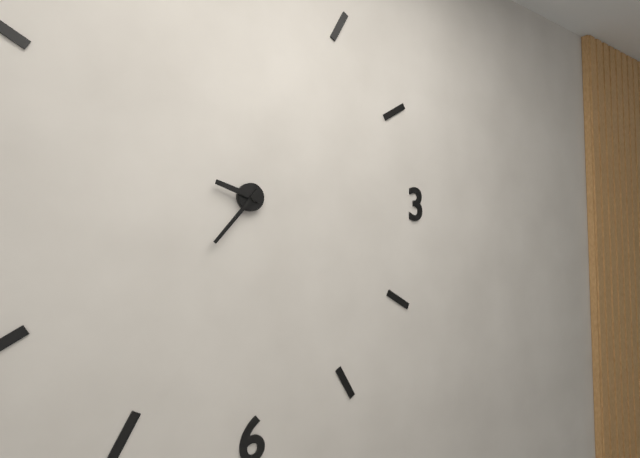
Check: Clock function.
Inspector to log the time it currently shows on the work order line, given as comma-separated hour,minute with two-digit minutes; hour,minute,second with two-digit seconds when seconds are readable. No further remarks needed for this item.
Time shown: 9,37
